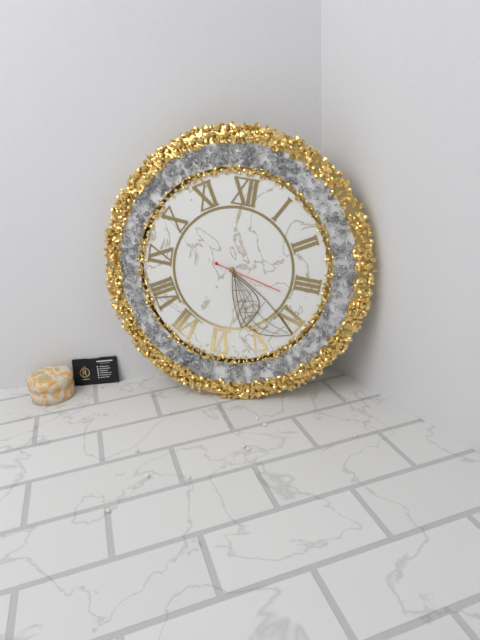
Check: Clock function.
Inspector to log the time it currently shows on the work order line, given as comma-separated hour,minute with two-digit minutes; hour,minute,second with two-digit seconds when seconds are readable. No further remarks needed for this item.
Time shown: 5,21,17
